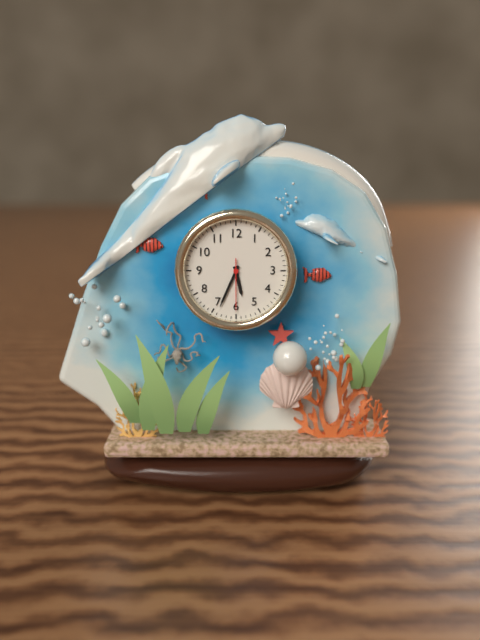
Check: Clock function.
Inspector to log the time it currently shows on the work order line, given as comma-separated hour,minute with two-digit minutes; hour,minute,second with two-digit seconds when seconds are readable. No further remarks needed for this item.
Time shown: 5,34,30
